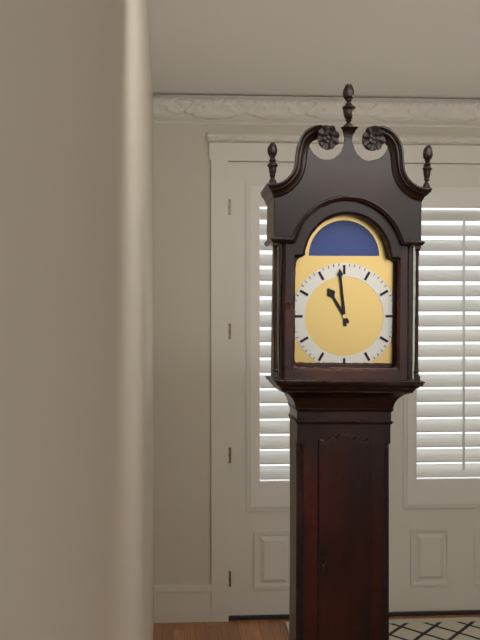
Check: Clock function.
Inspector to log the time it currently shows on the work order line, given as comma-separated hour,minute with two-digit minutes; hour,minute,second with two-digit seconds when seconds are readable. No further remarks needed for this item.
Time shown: 10,59
